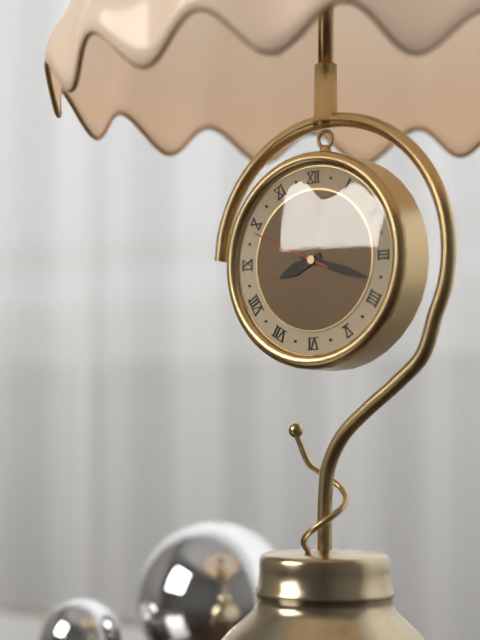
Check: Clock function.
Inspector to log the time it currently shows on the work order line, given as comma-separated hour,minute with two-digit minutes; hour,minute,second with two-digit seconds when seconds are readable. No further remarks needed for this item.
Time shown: 8,18,49
